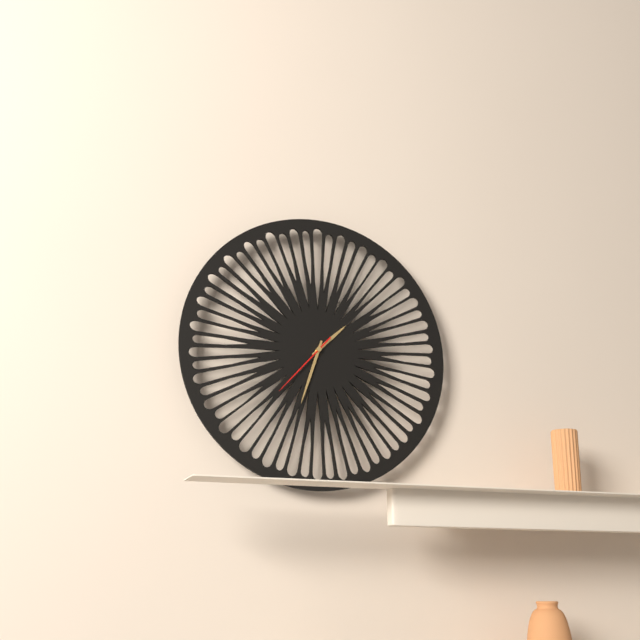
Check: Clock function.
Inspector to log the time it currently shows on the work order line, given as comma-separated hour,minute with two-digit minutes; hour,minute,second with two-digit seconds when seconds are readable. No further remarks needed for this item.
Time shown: 1,33,37
